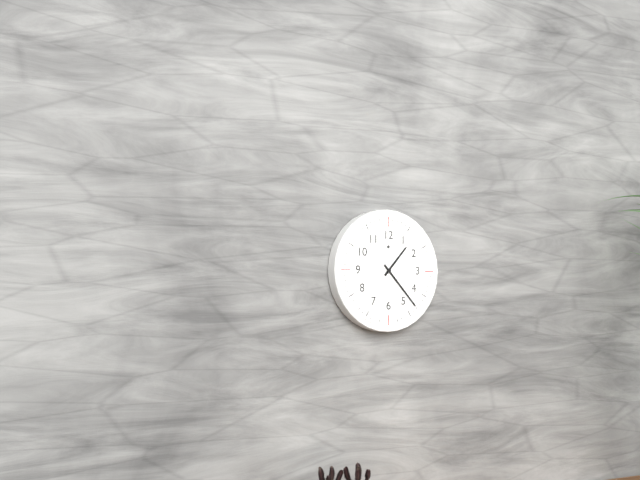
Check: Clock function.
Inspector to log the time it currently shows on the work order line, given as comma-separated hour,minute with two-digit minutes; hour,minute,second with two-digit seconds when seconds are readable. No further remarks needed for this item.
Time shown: 1,23
